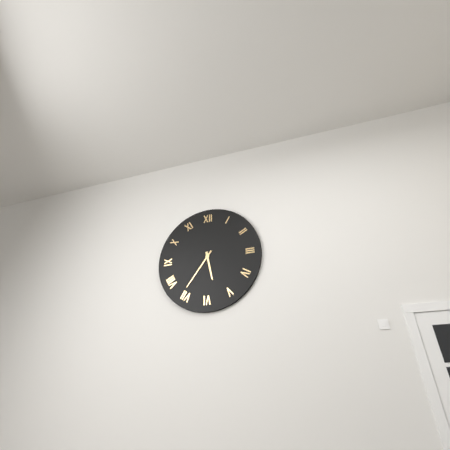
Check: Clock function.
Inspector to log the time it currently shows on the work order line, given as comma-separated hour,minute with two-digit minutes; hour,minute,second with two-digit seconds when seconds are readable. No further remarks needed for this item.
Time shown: 5,36
